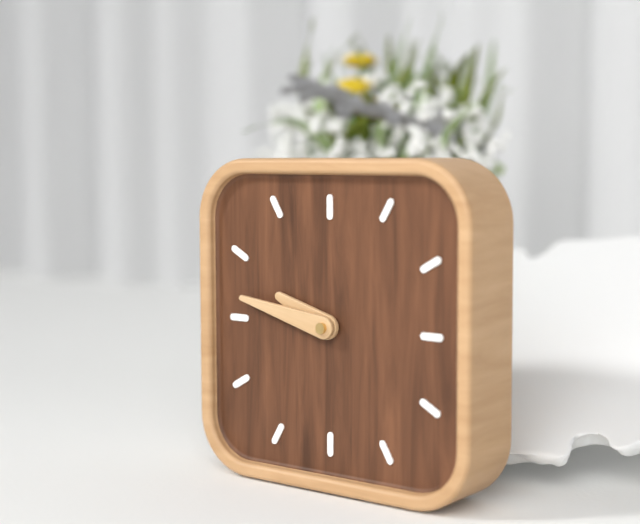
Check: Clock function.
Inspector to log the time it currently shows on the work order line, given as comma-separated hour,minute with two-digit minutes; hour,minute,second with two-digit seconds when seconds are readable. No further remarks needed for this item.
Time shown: 9,47
